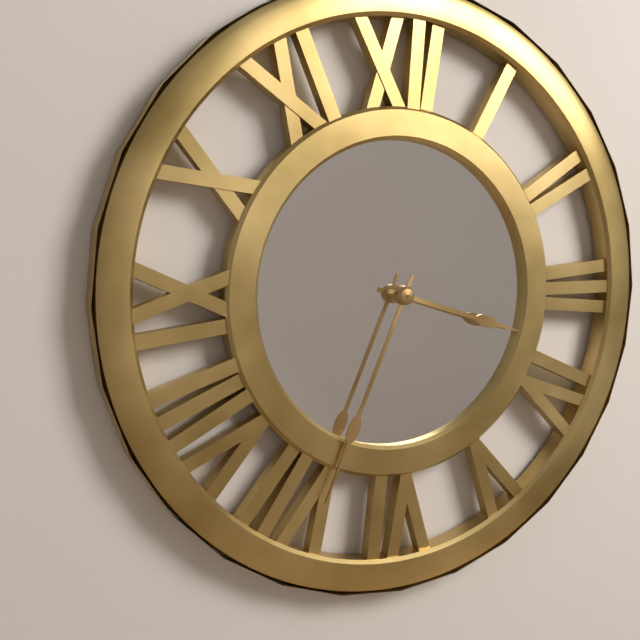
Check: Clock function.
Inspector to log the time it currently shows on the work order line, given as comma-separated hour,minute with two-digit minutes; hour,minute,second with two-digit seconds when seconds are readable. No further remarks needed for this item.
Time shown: 3,34
